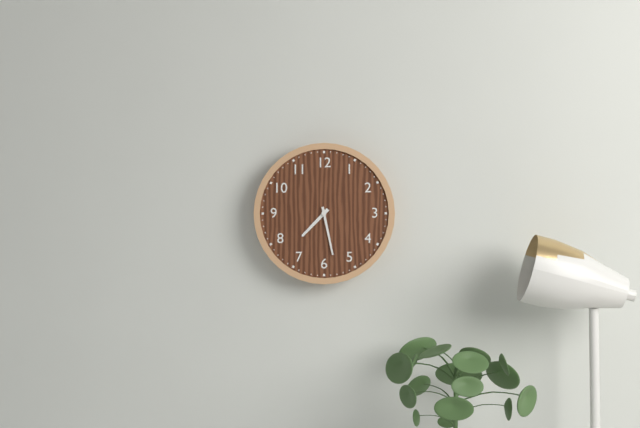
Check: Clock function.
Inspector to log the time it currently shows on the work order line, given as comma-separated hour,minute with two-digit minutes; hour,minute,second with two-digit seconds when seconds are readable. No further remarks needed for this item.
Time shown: 7,28
